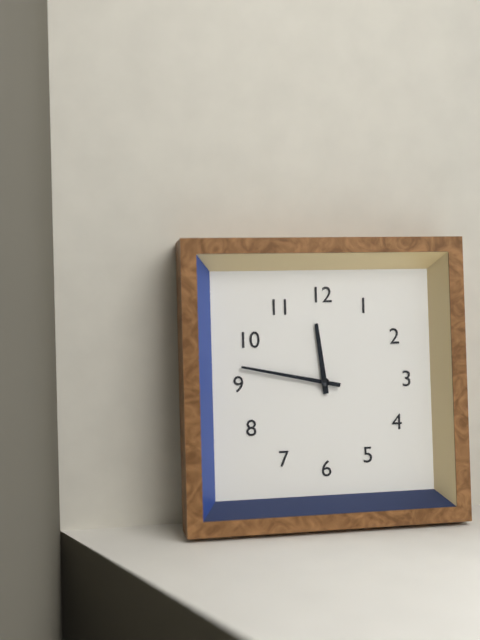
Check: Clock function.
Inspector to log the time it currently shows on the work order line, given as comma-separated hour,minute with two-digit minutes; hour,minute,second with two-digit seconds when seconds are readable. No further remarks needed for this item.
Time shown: 11,47
